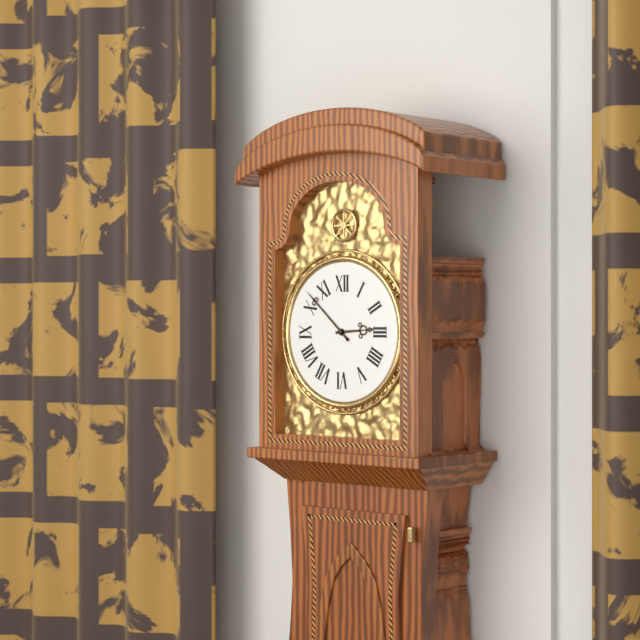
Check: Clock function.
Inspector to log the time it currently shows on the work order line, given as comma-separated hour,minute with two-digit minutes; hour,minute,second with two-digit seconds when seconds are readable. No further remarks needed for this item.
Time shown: 2,52
